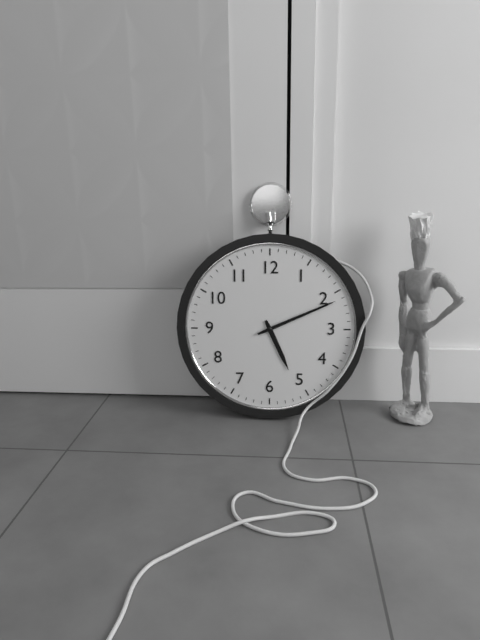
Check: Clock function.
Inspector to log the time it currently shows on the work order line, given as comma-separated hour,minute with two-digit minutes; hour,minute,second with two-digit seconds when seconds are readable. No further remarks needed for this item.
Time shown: 5,11
